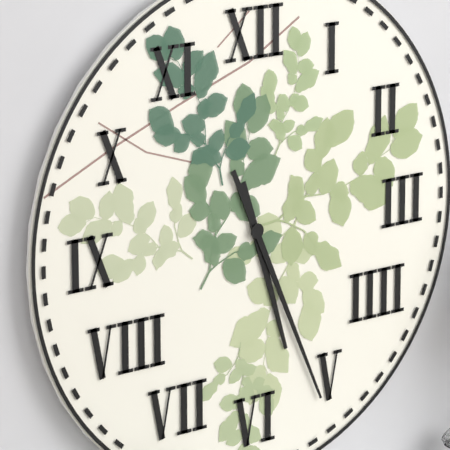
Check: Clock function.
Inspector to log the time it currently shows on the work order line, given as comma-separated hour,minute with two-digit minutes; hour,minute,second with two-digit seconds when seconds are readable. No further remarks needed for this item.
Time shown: 5,26
